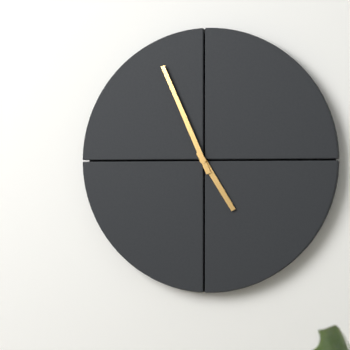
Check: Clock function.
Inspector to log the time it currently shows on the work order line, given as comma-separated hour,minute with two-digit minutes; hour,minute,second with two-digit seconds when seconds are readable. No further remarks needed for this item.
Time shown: 4,56
